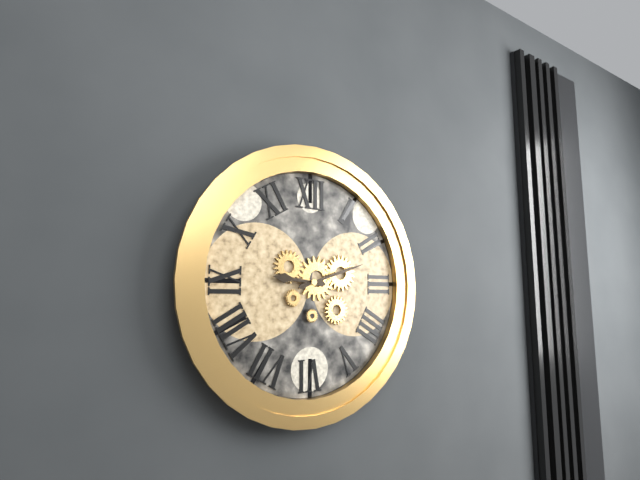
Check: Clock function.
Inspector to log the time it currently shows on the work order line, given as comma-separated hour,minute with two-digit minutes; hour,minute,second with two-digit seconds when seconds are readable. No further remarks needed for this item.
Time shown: 9,12
